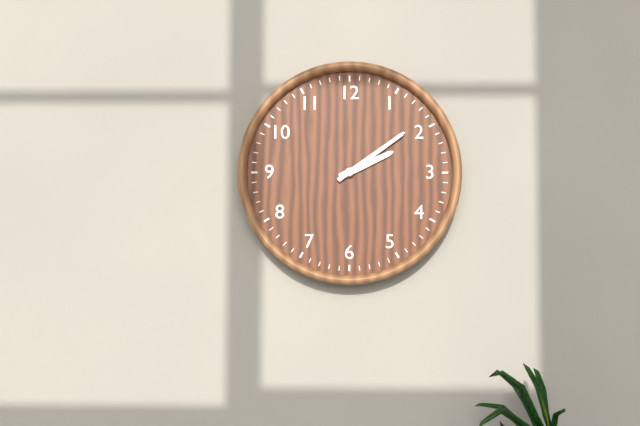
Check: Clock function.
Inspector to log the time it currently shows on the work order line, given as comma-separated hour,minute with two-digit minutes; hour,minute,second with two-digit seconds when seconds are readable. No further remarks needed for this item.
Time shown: 2,09
